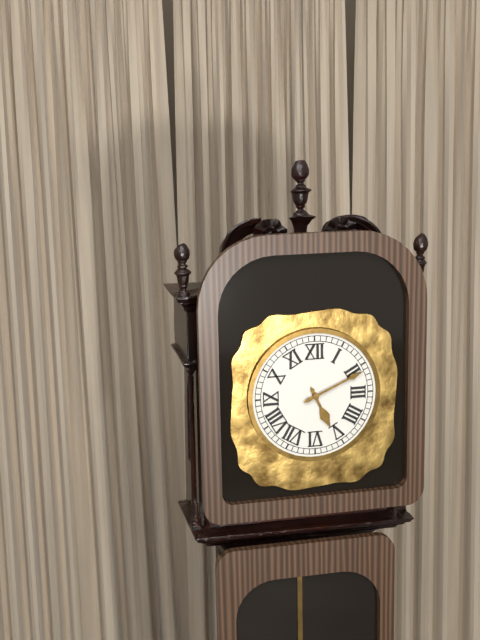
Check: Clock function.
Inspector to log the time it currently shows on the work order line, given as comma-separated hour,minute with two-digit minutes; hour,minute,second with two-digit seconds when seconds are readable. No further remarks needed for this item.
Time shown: 5,11
